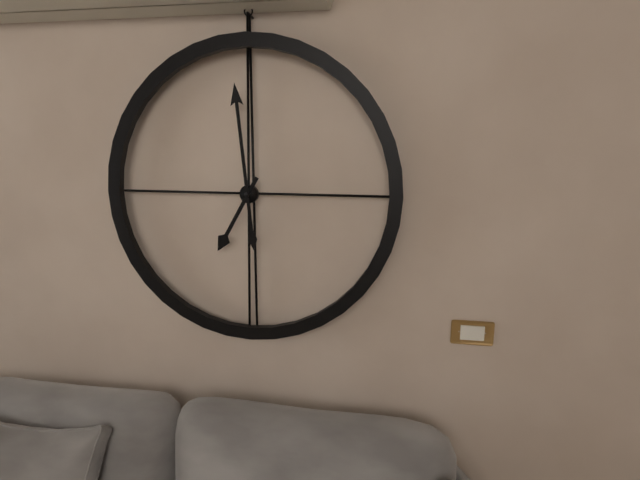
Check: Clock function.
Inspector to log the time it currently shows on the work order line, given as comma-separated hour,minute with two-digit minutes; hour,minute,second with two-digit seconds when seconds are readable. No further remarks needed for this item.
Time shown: 6,59
